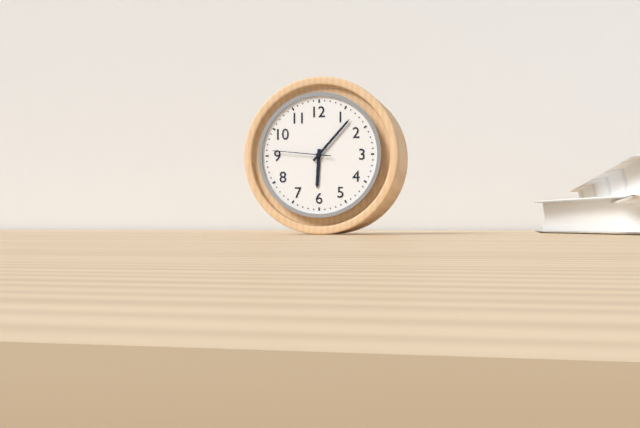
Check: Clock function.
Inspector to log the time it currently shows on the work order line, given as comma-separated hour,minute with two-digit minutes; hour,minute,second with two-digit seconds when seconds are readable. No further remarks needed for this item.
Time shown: 6,07,46
